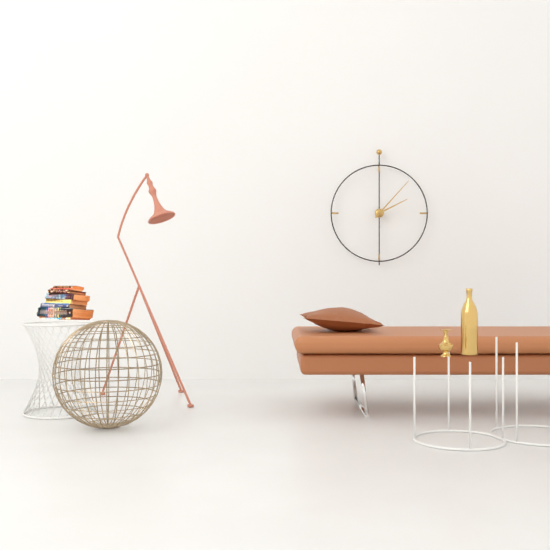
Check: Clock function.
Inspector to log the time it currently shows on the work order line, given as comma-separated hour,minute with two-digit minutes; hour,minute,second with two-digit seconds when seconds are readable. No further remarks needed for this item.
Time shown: 2,07
